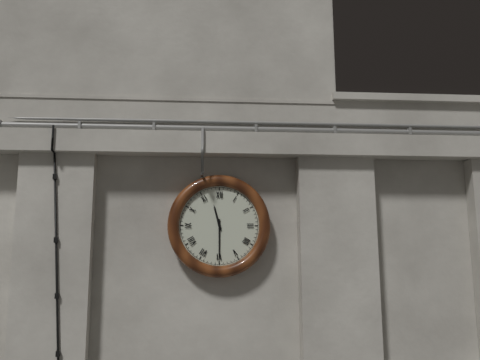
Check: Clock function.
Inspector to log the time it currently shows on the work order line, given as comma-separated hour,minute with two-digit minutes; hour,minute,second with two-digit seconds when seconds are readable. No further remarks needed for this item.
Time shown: 11,30
